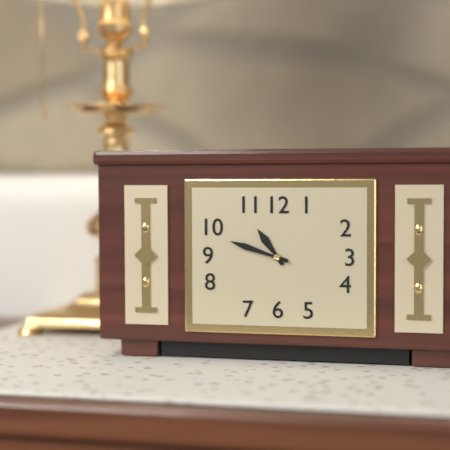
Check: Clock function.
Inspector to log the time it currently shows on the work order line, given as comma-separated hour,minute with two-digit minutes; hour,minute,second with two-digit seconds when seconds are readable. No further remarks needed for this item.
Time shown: 10,48
